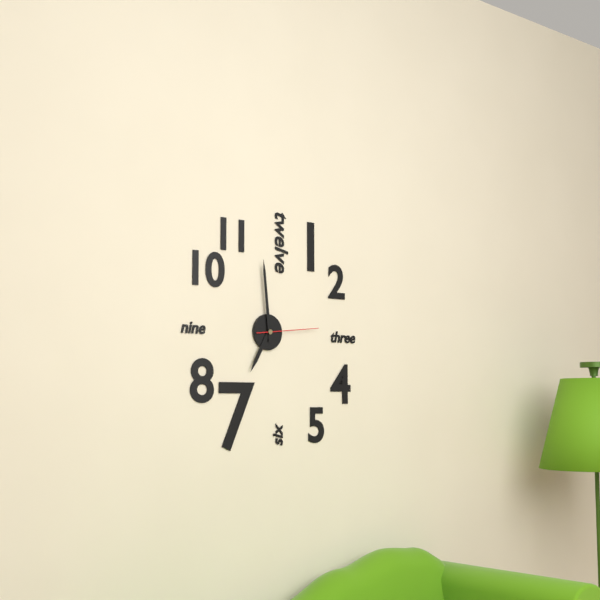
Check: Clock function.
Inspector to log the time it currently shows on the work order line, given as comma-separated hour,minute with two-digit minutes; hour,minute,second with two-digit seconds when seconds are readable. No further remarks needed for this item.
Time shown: 6,59,14
